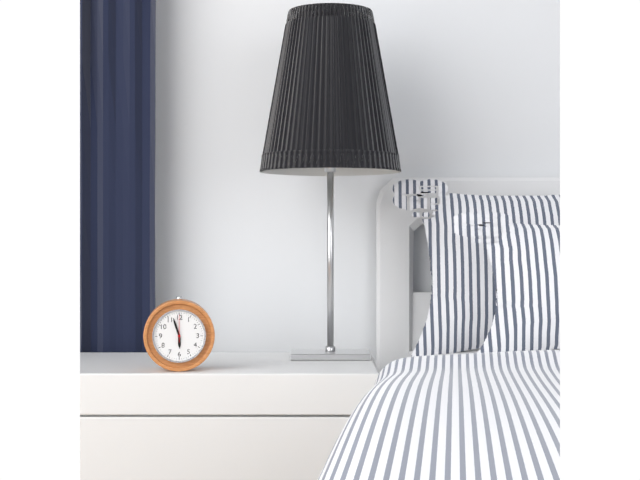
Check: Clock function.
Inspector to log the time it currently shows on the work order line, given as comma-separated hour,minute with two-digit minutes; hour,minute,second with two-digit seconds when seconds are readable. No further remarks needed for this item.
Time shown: 5,57
